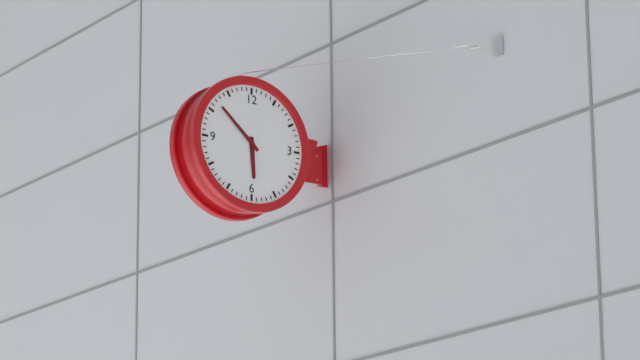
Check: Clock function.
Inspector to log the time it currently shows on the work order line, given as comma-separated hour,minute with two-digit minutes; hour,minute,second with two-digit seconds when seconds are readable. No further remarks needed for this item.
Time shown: 5,52
